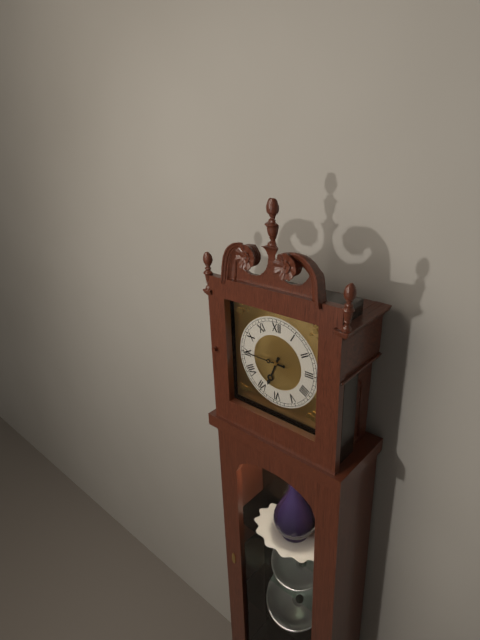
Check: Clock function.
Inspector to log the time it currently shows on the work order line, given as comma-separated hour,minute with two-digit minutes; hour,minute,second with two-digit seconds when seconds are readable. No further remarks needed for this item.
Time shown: 6,45
